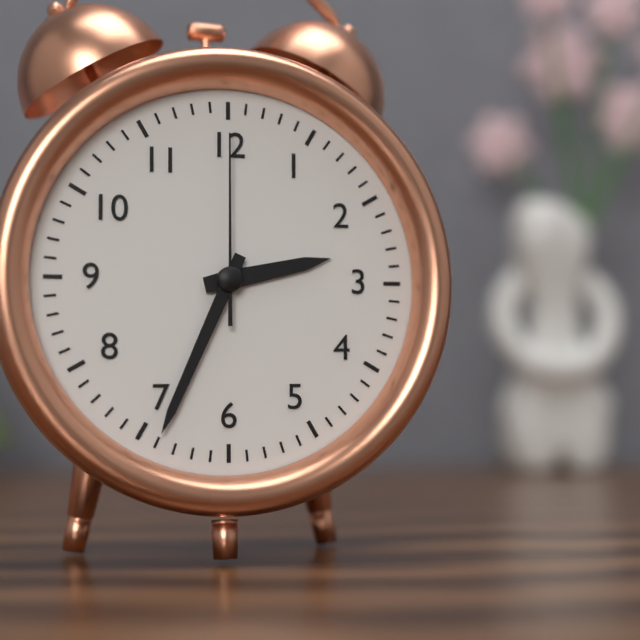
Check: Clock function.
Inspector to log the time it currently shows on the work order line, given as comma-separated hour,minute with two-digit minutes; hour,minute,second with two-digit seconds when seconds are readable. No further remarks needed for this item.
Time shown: 2,34,00
